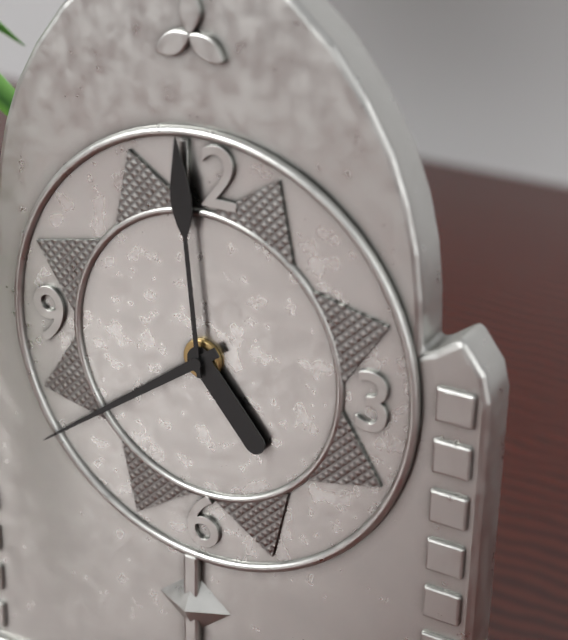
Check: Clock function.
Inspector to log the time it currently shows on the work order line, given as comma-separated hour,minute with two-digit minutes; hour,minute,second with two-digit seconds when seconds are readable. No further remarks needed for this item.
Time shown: 4,39,59
